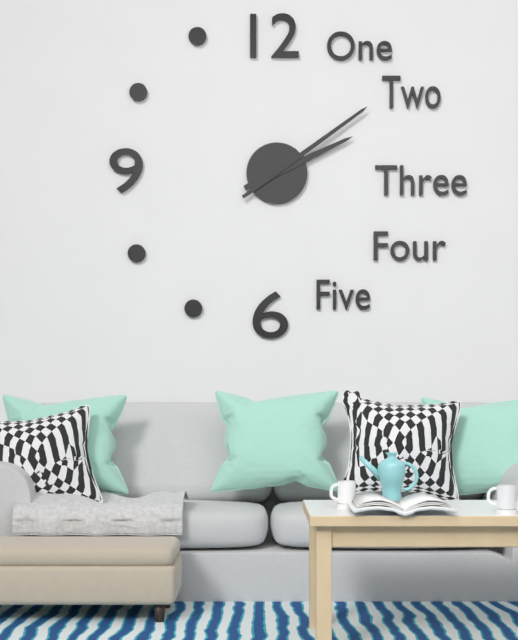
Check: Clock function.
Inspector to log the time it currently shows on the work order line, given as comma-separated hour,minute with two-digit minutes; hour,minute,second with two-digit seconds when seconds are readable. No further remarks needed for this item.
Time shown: 2,09
